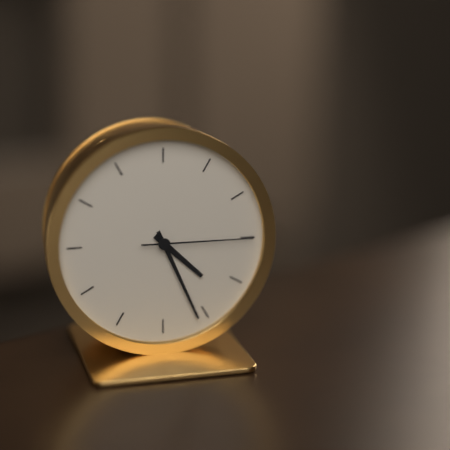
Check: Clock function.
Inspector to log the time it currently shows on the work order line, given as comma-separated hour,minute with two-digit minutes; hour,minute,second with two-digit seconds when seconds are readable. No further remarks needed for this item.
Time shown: 4,26,15
